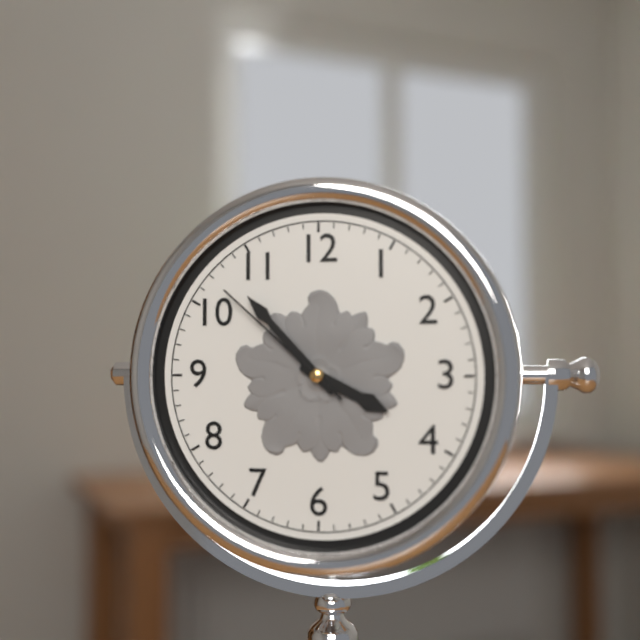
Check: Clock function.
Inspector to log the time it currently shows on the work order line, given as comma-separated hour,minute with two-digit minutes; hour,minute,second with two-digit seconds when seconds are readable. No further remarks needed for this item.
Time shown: 3,53,52
